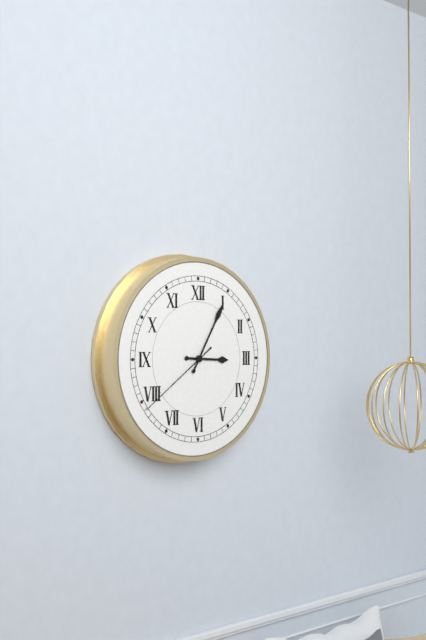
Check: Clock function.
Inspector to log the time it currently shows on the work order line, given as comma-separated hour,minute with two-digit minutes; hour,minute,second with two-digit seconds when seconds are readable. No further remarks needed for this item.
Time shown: 3,05,39
